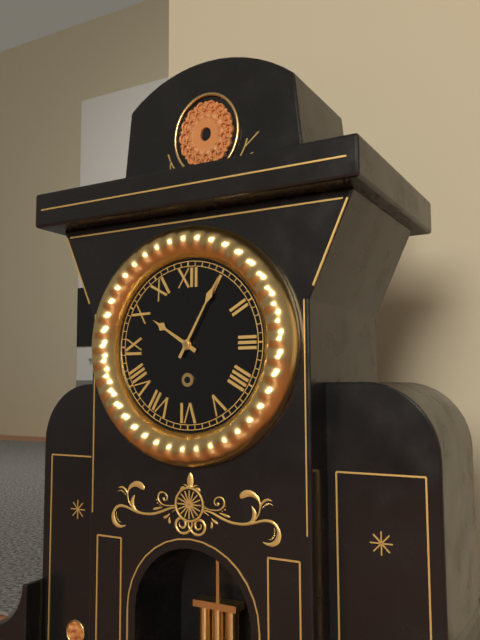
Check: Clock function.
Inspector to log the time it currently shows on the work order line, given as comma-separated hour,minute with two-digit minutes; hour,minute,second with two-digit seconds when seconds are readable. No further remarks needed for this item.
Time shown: 10,05
